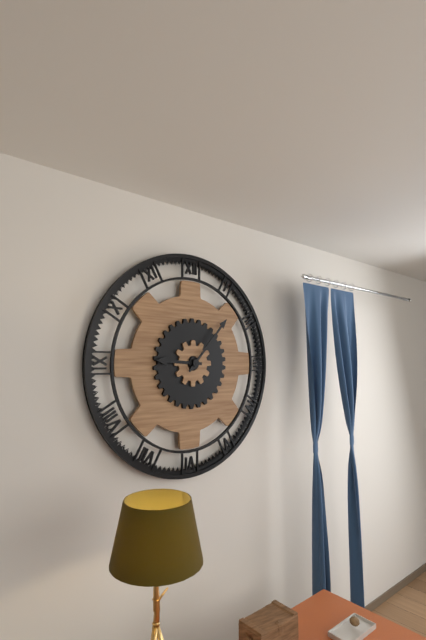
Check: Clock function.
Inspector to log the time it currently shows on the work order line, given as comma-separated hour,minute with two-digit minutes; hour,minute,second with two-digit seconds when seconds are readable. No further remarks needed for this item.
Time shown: 9,07
